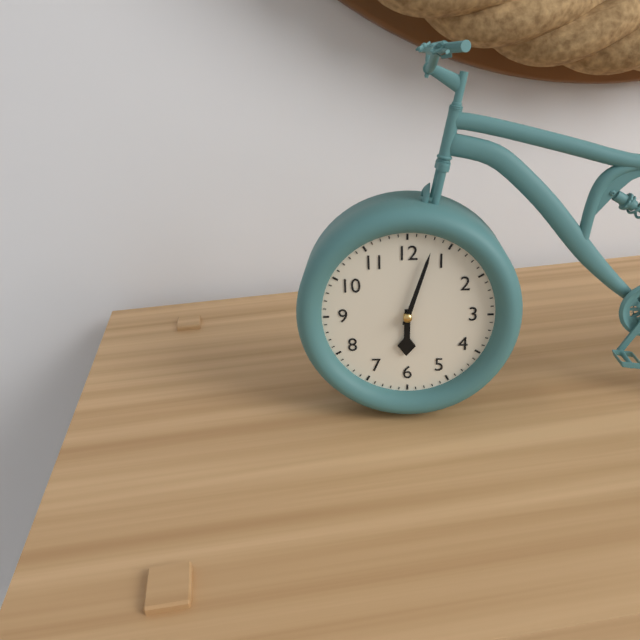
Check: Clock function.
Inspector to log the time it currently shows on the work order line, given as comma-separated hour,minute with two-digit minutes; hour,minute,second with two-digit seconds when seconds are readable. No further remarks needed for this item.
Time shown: 6,03
